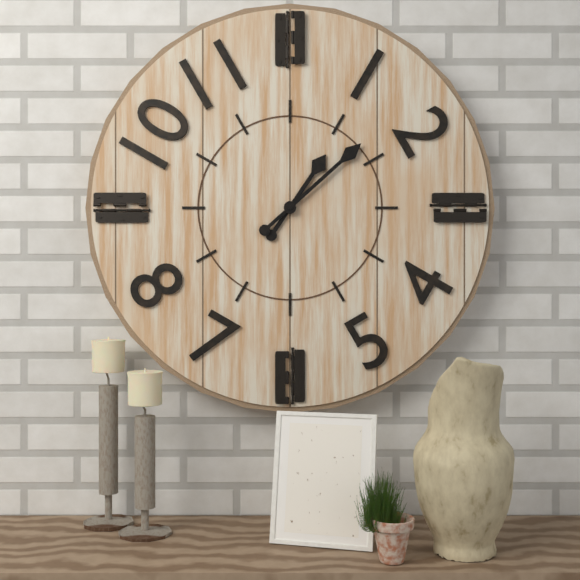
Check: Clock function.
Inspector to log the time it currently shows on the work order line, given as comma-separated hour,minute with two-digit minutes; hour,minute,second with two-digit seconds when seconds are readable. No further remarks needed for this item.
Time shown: 1,08
